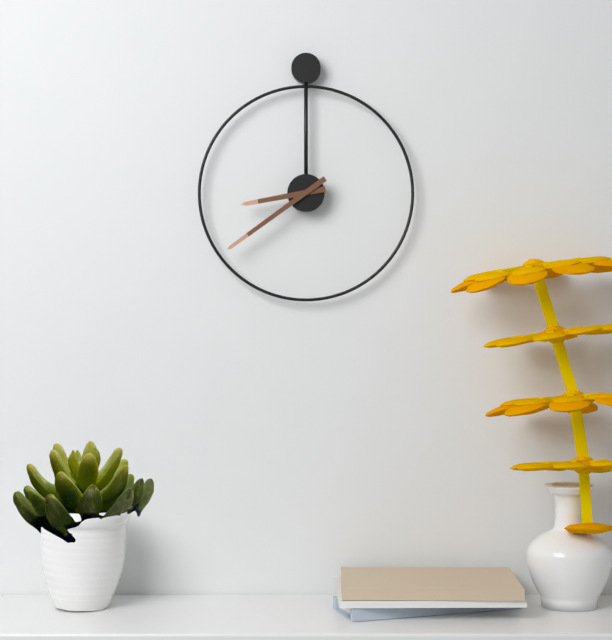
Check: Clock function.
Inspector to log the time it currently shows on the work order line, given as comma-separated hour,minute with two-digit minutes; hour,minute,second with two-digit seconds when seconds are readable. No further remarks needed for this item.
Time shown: 8,39
